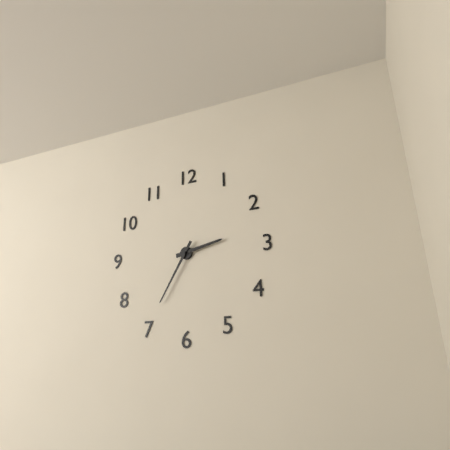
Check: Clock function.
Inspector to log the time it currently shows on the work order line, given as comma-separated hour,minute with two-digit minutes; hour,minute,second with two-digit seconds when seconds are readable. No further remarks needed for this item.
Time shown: 2,35
